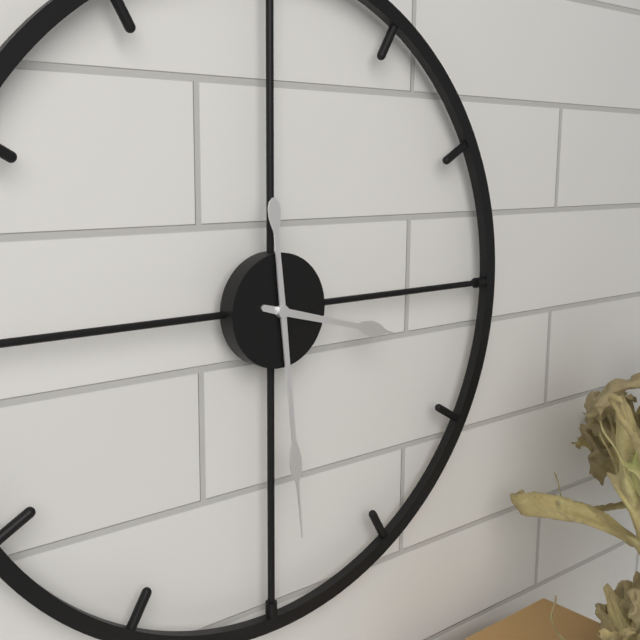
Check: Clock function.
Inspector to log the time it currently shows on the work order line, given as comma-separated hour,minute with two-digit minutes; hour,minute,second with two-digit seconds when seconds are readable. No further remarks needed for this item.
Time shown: 3,29
